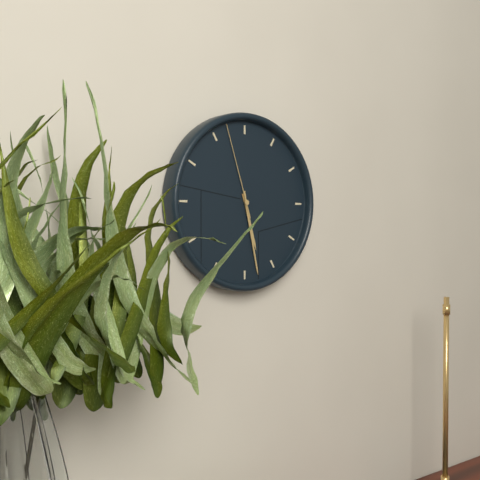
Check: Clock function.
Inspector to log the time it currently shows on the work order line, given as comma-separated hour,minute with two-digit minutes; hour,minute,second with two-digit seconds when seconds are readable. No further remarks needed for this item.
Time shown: 5,28,57
